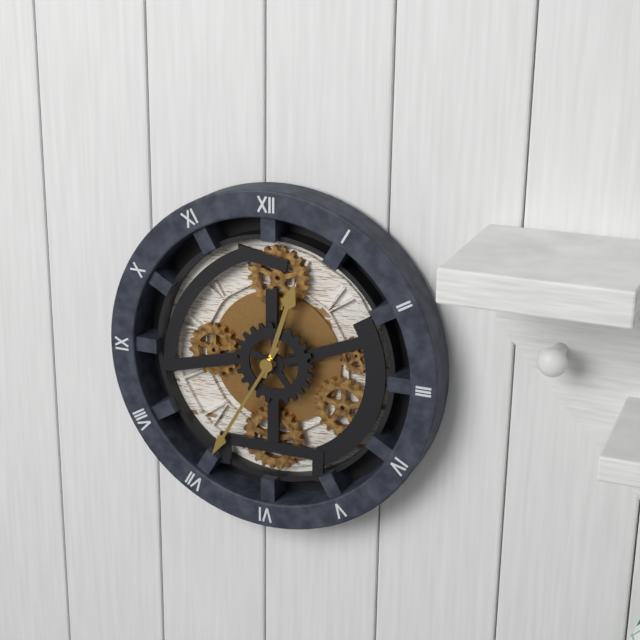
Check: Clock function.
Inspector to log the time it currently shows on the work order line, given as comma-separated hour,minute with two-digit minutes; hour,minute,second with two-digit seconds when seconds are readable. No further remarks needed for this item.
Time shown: 12,35
